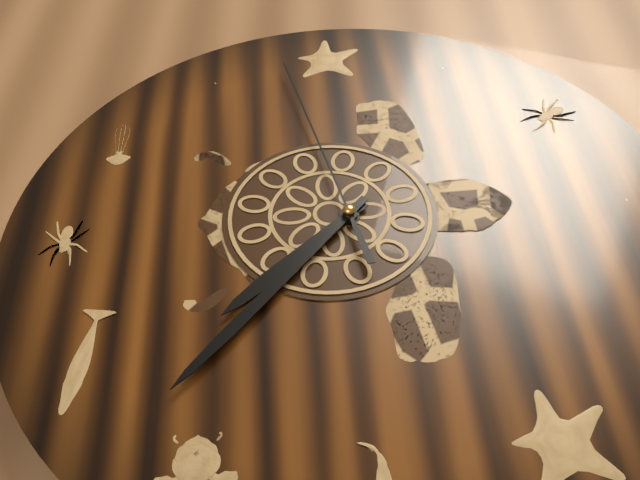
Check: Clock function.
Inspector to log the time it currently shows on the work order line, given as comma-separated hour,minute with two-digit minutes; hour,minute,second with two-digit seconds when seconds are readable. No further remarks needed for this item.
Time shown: 7,37,58
